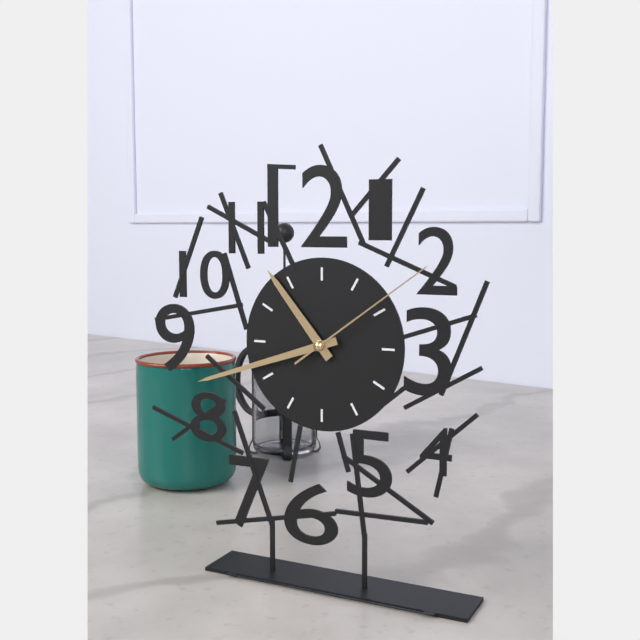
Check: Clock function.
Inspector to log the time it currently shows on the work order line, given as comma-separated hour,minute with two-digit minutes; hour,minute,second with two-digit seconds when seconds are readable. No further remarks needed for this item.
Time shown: 10,42,09
